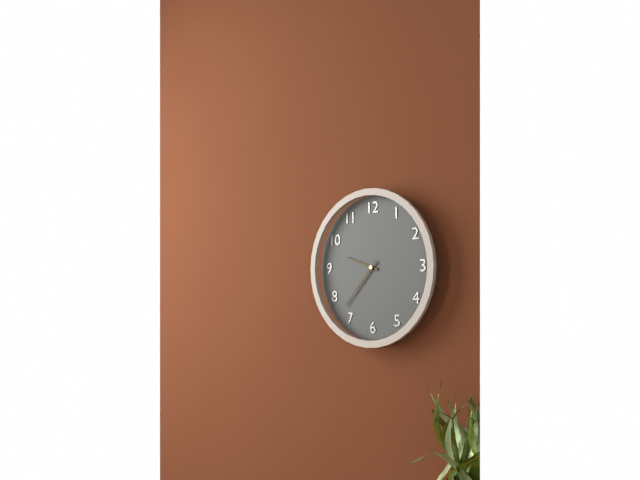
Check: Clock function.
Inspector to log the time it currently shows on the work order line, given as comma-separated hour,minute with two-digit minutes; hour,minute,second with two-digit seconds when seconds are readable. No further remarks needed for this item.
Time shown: 9,37
